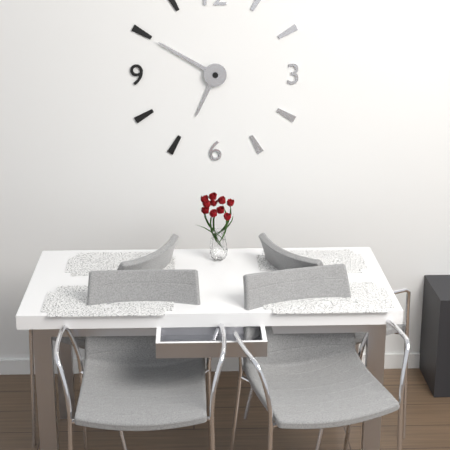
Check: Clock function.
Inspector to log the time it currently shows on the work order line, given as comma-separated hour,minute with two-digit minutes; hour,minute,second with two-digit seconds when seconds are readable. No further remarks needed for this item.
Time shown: 6,50
